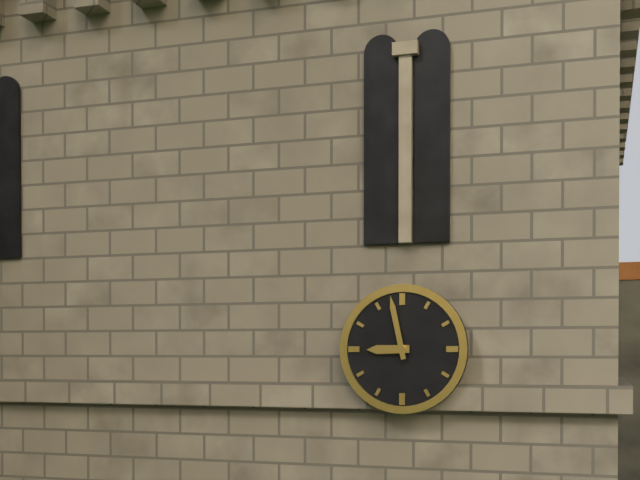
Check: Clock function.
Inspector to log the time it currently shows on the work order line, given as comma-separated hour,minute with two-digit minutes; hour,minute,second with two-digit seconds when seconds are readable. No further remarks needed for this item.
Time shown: 8,58
